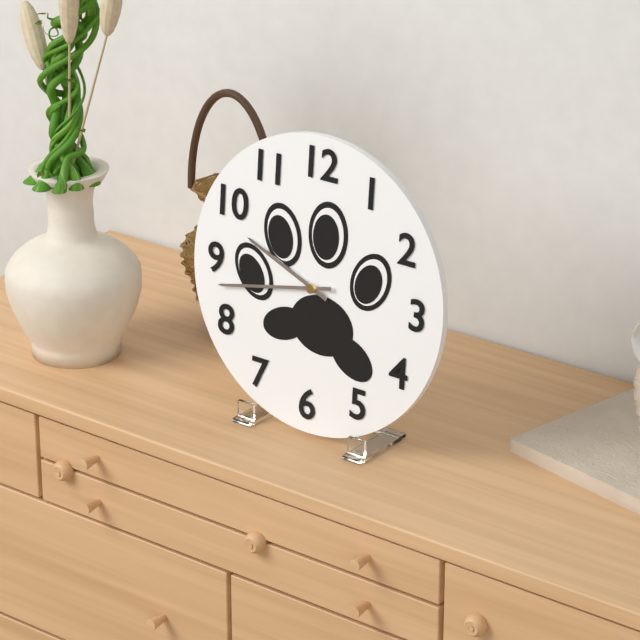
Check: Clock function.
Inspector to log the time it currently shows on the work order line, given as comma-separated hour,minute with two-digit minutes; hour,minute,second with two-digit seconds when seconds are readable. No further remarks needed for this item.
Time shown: 9,43
